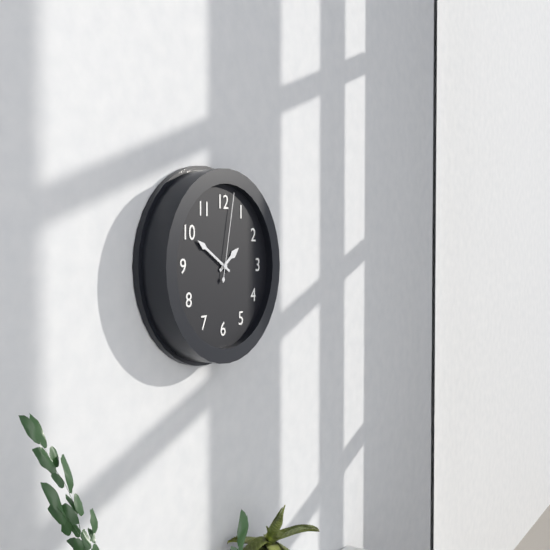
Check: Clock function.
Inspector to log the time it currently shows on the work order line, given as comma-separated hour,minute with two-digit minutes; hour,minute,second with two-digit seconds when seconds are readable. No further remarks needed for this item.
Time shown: 1,50,02
